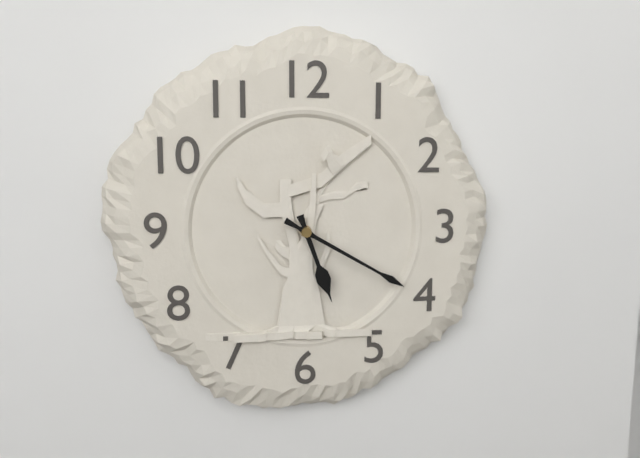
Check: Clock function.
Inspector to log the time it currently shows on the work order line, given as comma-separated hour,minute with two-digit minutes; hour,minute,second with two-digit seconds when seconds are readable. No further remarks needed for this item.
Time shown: 5,20
